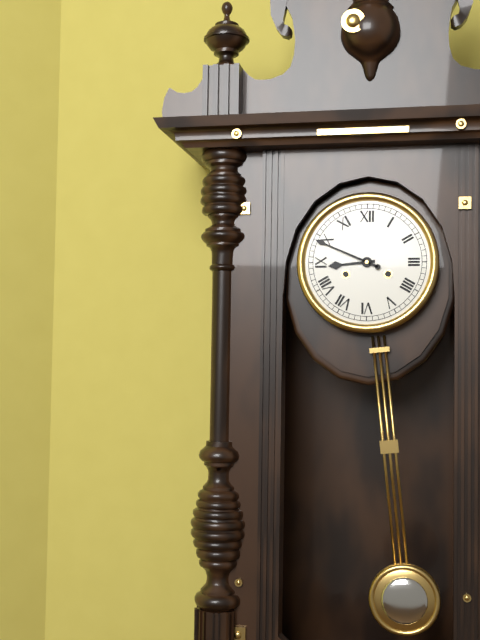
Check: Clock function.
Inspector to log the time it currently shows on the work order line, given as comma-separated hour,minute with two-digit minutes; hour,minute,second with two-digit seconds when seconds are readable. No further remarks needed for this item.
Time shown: 8,49
